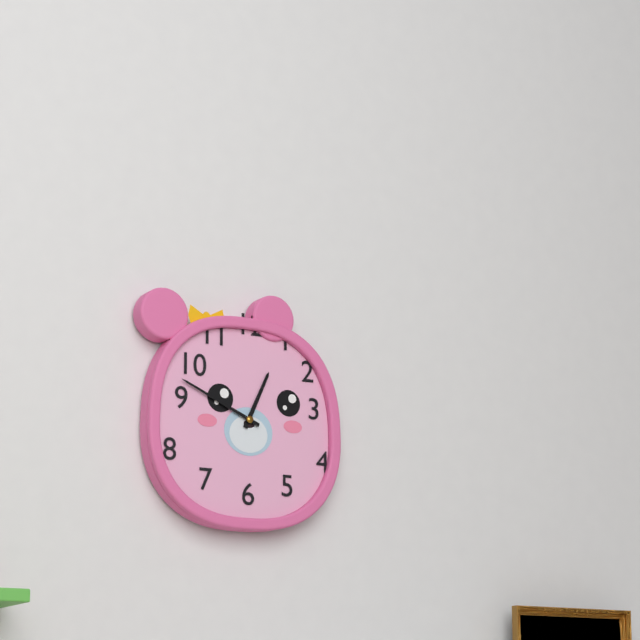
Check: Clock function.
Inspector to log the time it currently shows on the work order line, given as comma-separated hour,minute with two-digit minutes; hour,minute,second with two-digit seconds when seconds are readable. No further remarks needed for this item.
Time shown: 12,49
